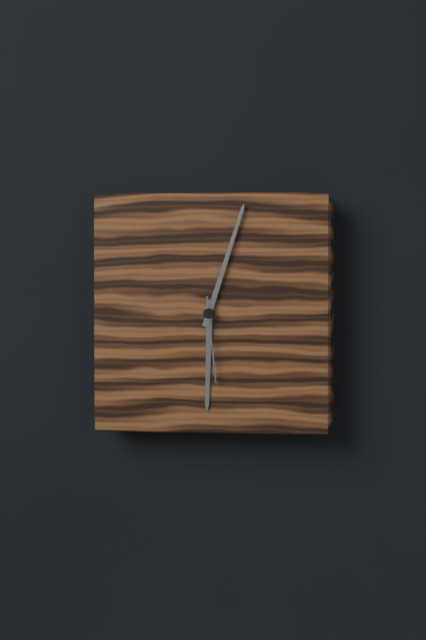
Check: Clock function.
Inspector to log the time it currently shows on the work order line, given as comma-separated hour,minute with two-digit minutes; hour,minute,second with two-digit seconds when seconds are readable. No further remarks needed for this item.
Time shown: 6,03,29
